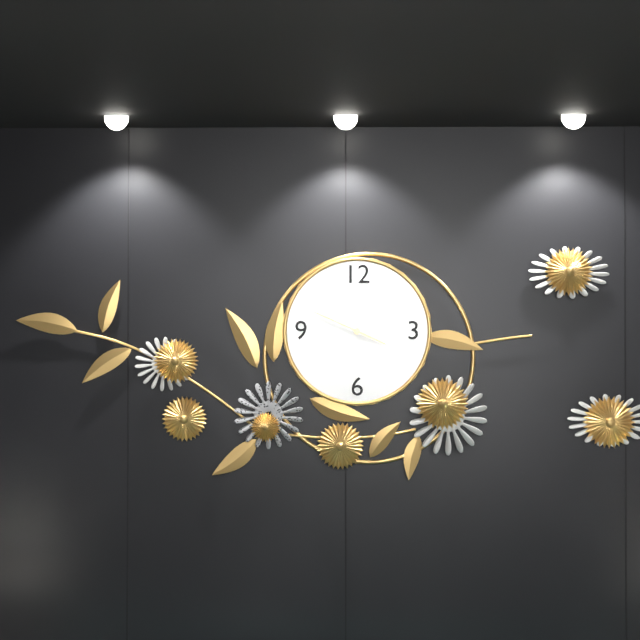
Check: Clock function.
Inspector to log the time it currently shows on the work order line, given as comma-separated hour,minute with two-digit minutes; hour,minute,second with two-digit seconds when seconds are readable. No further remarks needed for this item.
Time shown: 3,49
